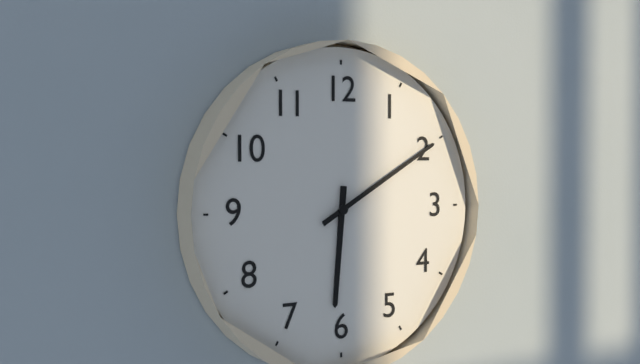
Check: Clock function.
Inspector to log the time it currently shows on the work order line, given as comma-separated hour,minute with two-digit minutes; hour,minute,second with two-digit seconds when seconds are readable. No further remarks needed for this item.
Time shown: 6,10
